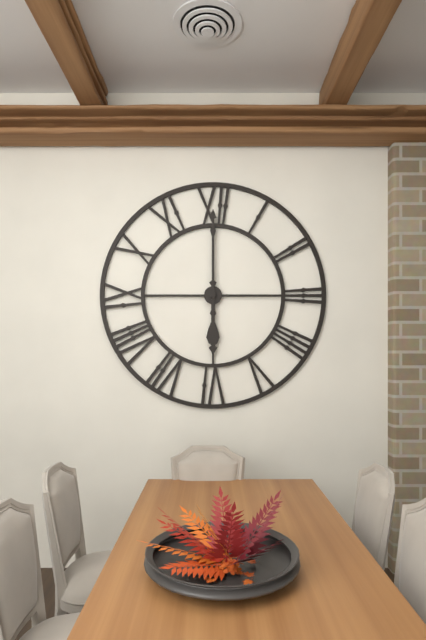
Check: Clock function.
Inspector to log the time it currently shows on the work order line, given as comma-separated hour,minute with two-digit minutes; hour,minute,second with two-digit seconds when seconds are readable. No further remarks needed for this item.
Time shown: 6,00
